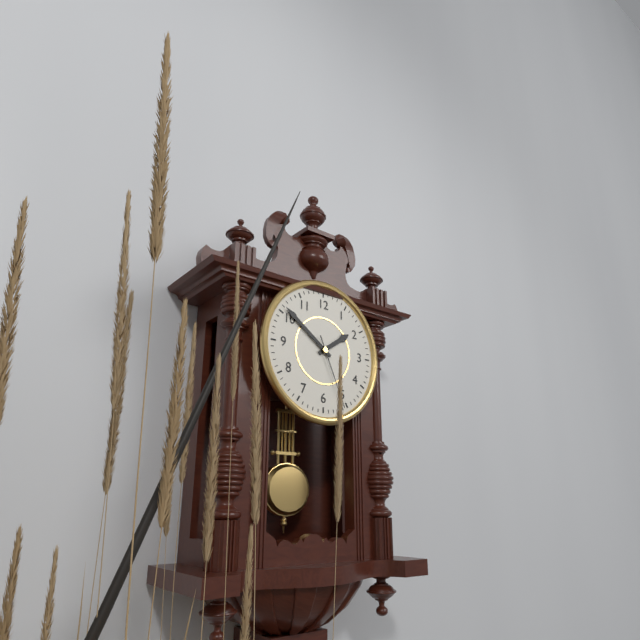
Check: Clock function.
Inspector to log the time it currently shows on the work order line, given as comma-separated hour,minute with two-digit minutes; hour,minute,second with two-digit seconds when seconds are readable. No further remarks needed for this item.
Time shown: 1,51,26
